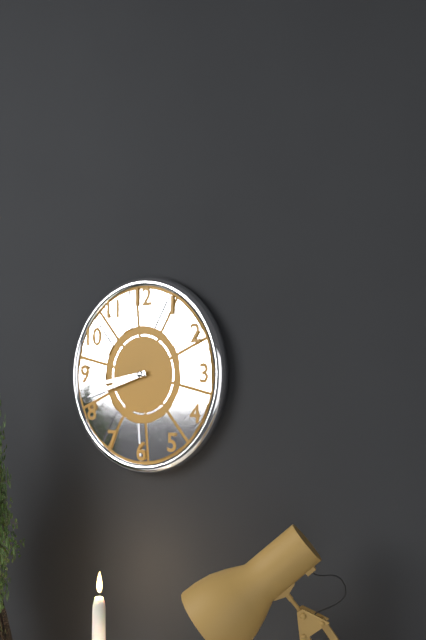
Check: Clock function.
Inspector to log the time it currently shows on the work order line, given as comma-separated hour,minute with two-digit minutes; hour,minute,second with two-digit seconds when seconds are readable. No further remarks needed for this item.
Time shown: 8,42
